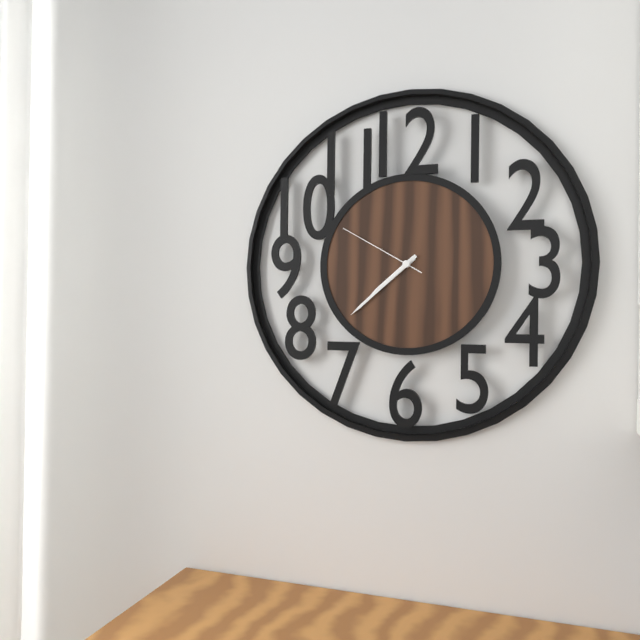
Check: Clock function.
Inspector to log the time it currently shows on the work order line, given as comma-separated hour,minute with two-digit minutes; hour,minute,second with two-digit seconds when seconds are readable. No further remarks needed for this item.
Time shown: 7,38,50
